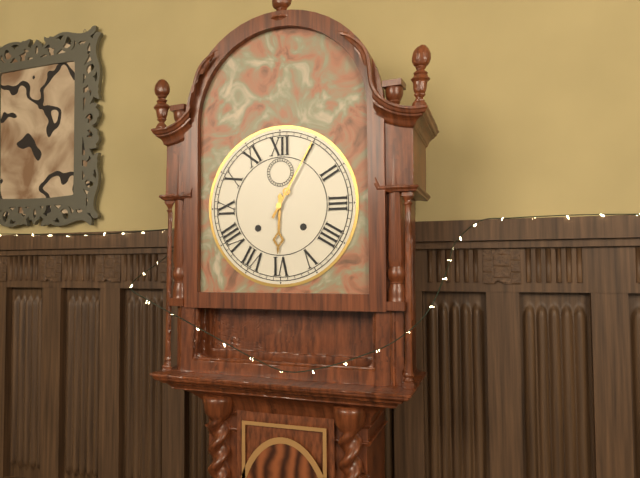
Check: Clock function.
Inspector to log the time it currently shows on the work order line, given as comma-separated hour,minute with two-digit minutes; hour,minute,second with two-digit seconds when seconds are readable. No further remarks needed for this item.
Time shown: 6,05
